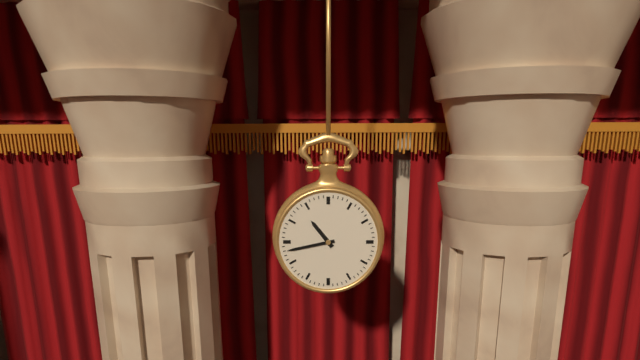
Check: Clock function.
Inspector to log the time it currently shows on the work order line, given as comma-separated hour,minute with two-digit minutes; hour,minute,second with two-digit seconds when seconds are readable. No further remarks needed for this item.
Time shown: 10,43
